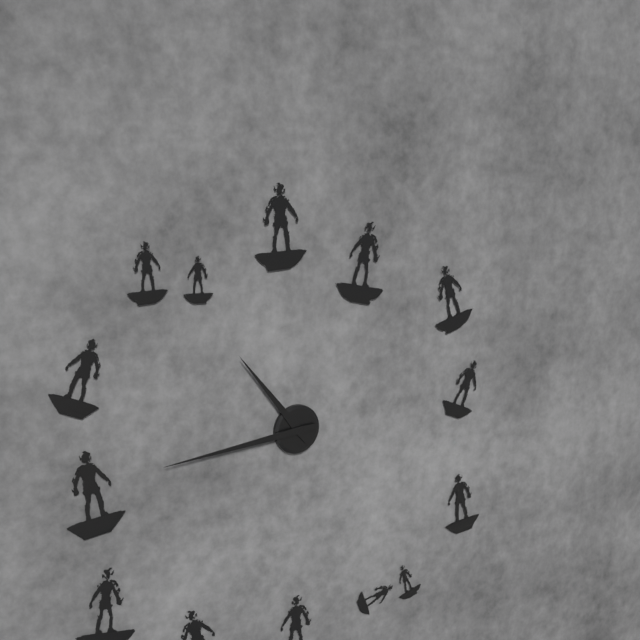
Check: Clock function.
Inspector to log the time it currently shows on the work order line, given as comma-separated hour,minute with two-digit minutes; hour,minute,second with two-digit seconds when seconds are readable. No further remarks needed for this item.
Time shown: 10,44
